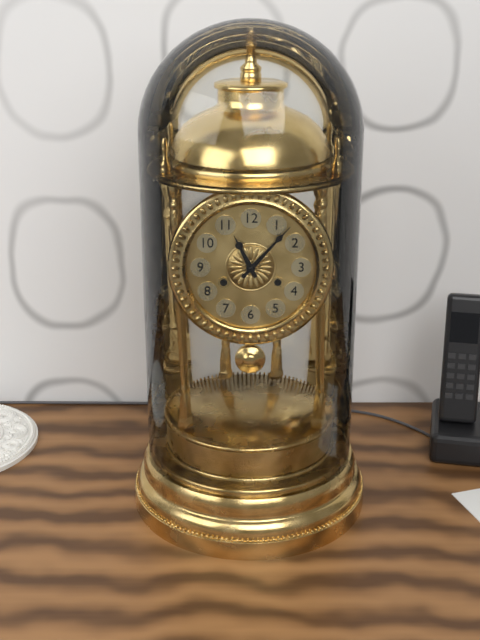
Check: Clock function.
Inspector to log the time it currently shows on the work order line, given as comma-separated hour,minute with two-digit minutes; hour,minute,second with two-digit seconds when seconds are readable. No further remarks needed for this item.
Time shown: 11,07
